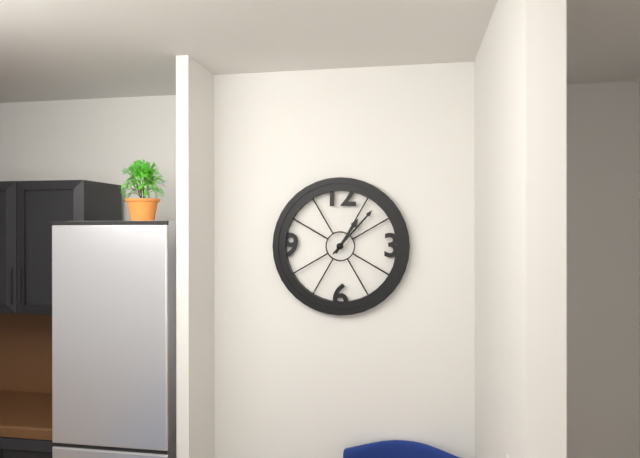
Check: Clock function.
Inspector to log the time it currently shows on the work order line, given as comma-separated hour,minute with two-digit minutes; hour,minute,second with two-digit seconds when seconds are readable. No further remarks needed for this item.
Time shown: 1,07
